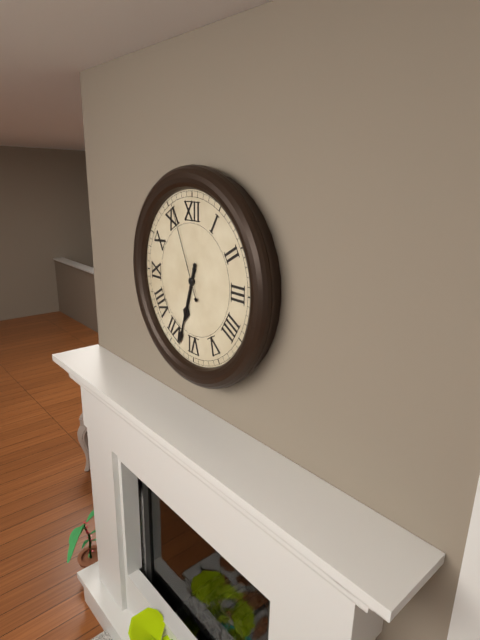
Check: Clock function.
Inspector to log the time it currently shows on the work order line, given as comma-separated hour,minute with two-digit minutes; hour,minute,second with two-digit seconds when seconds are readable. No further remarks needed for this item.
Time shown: 6,33,56
